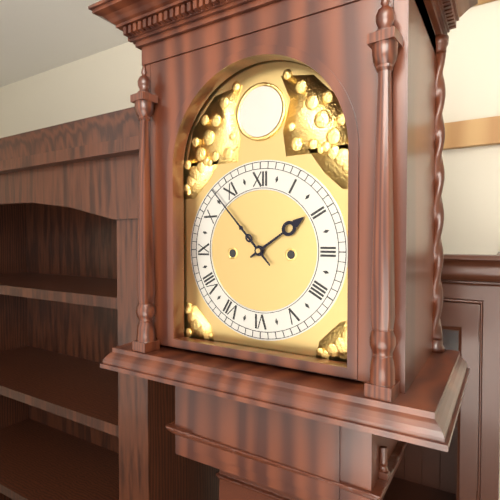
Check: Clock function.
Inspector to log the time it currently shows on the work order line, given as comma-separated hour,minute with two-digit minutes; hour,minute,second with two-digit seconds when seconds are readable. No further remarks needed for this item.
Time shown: 1,53
